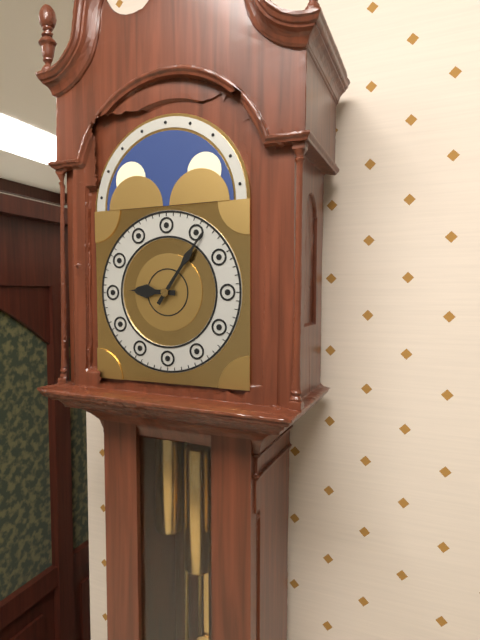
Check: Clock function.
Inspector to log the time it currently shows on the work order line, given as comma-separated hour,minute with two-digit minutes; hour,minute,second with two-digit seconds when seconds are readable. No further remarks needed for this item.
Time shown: 9,06
